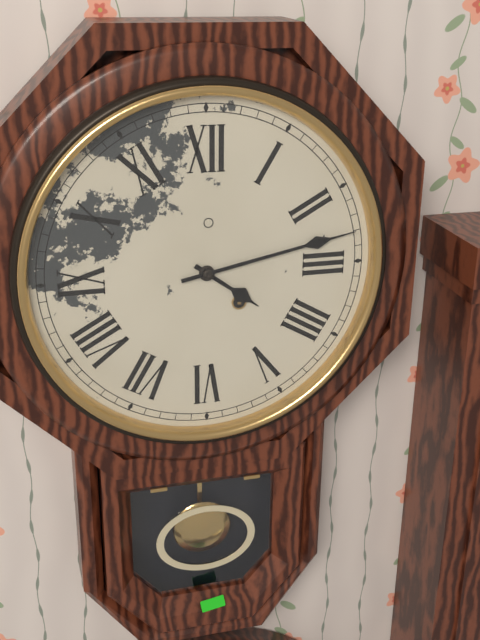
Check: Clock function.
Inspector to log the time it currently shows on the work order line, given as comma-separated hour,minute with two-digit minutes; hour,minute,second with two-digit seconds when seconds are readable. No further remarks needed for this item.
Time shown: 4,13
